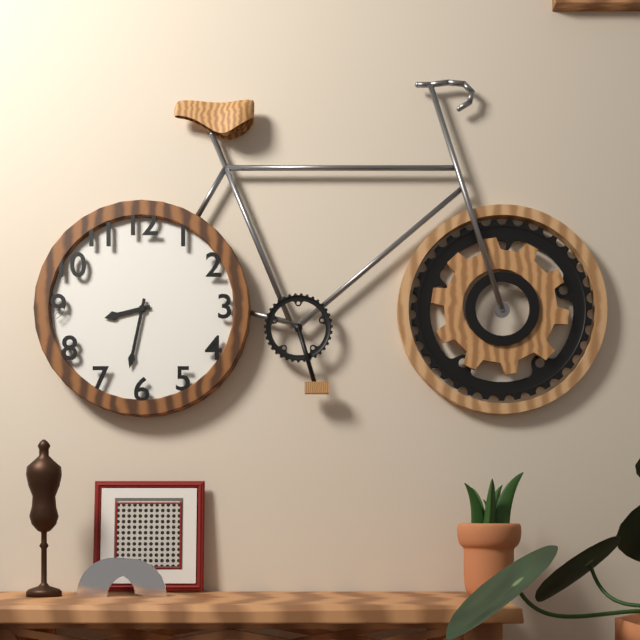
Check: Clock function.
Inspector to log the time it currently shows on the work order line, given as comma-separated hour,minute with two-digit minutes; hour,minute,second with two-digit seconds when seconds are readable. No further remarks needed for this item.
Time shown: 8,32
